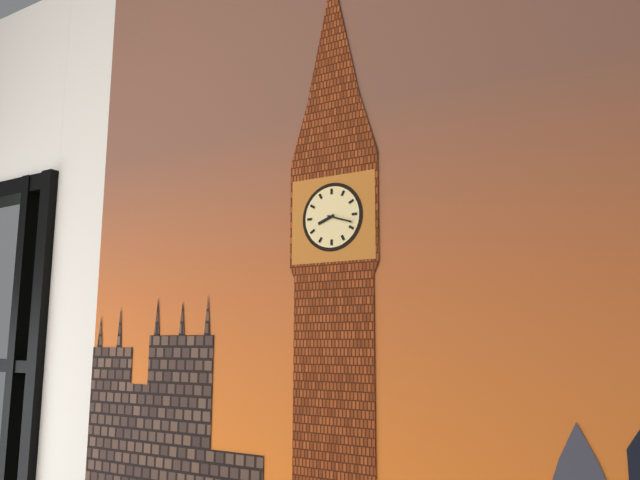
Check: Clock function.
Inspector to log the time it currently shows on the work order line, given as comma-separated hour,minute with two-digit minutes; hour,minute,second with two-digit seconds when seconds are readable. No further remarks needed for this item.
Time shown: 8,18
